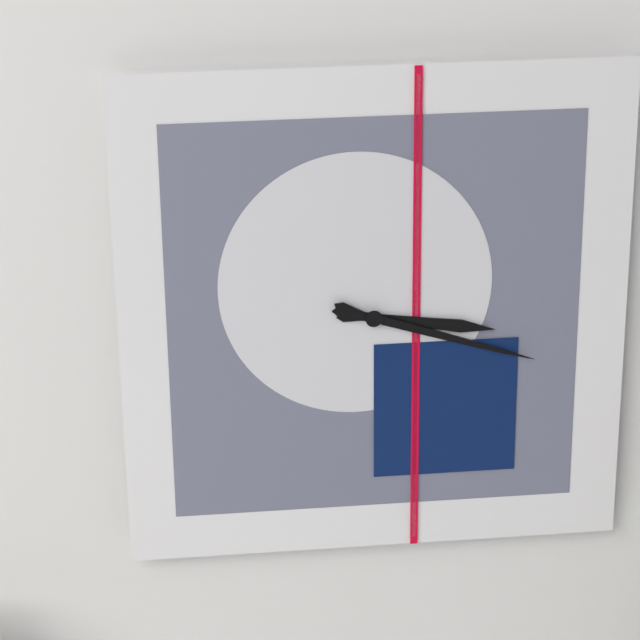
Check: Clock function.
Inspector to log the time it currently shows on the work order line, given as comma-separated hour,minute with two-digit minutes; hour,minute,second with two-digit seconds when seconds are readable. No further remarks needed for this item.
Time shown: 3,18
